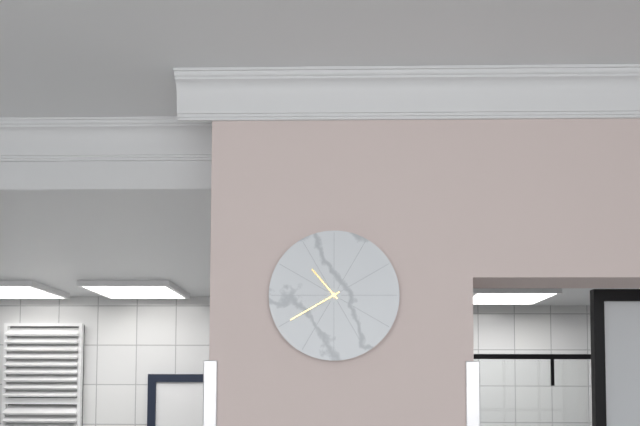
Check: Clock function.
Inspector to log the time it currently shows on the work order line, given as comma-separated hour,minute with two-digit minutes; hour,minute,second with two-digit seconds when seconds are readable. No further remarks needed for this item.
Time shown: 10,40
